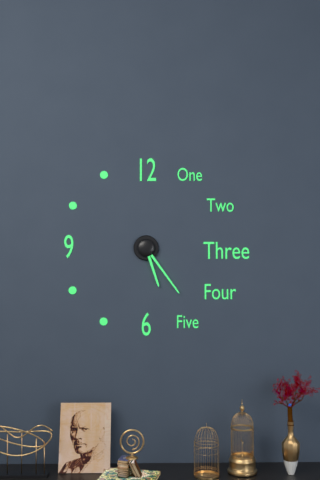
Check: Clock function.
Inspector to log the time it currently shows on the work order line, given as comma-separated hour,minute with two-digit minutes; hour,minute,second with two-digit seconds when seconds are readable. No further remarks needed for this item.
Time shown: 5,24
